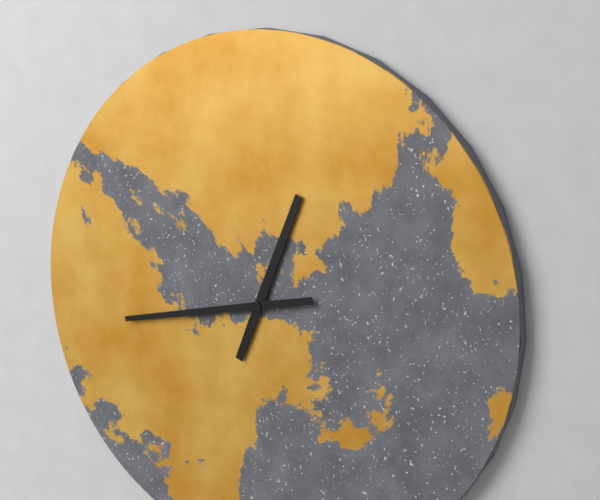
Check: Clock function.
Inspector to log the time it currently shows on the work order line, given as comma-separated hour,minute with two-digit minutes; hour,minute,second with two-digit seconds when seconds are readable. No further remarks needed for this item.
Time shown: 12,43
